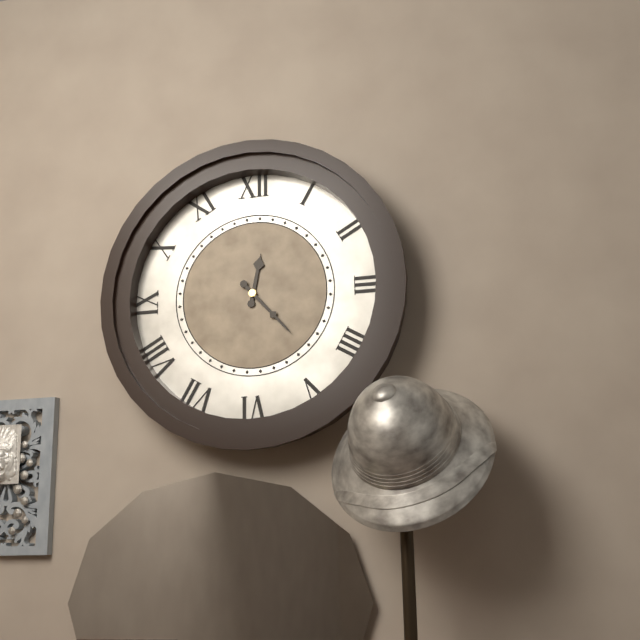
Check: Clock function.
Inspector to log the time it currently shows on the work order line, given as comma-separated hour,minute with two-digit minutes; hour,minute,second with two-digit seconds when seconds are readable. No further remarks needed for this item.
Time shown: 12,23
